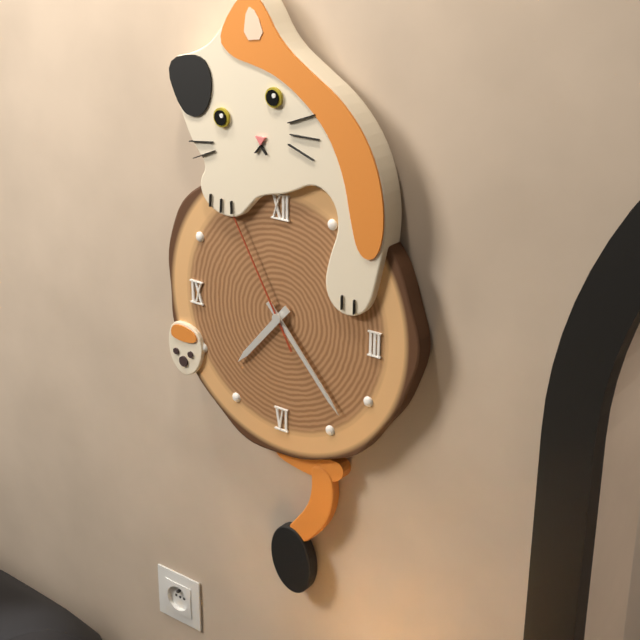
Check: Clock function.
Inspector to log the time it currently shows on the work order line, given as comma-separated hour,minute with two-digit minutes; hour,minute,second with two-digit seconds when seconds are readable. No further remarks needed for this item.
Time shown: 7,23,55
